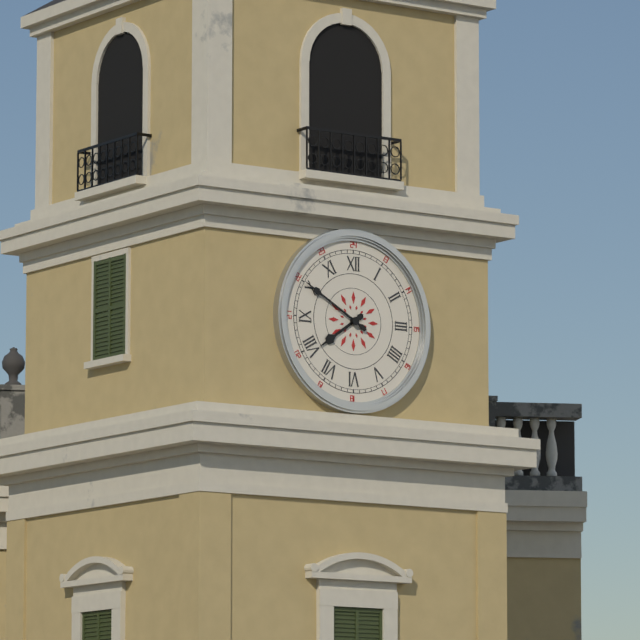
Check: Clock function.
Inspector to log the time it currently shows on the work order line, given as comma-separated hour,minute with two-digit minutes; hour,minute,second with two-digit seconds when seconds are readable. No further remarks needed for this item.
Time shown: 7,50
